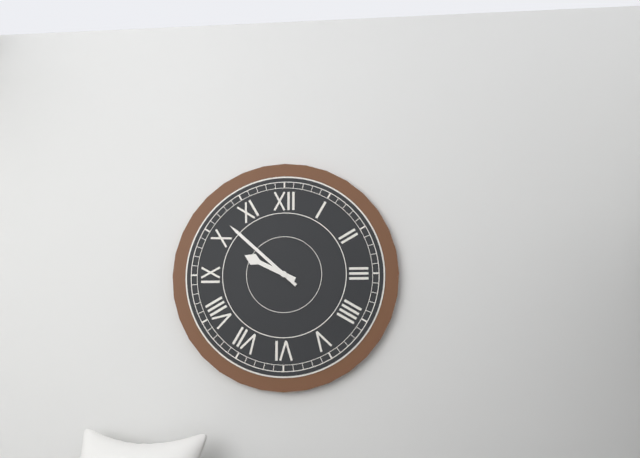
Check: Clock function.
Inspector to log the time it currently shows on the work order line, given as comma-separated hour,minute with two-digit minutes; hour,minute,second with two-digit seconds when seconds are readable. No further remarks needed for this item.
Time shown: 9,52
